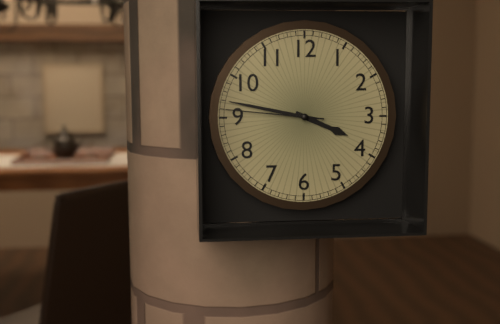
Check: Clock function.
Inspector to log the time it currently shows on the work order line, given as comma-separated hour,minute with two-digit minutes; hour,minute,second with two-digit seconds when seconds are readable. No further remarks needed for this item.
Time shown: 3,47,46
